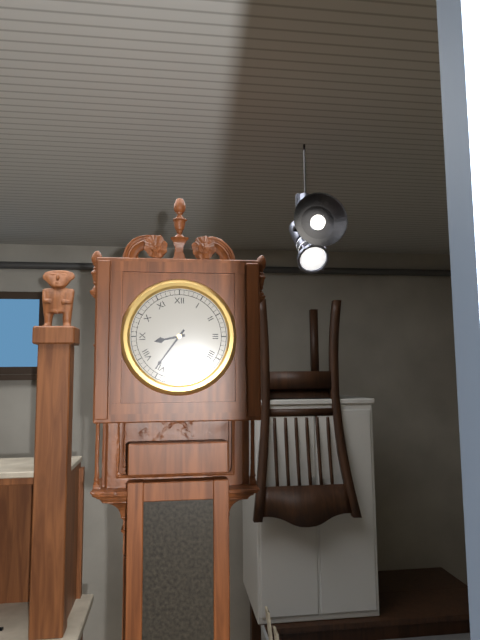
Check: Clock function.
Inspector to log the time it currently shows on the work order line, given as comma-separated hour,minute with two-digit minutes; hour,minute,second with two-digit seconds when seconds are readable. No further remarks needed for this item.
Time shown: 8,36
